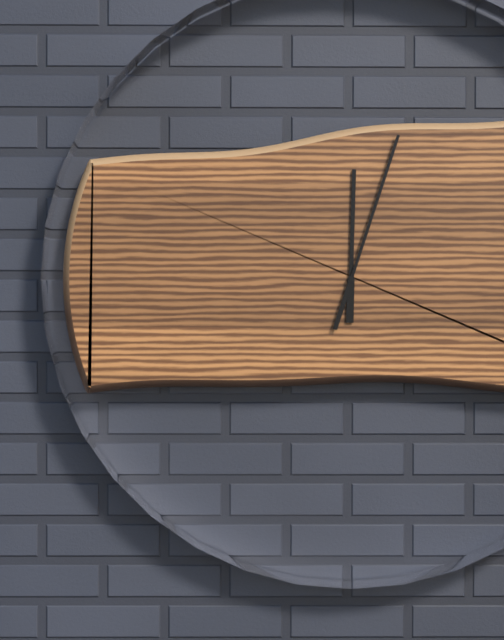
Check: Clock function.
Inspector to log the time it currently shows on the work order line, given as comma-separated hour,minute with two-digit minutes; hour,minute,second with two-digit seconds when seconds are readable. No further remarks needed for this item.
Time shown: 12,03
